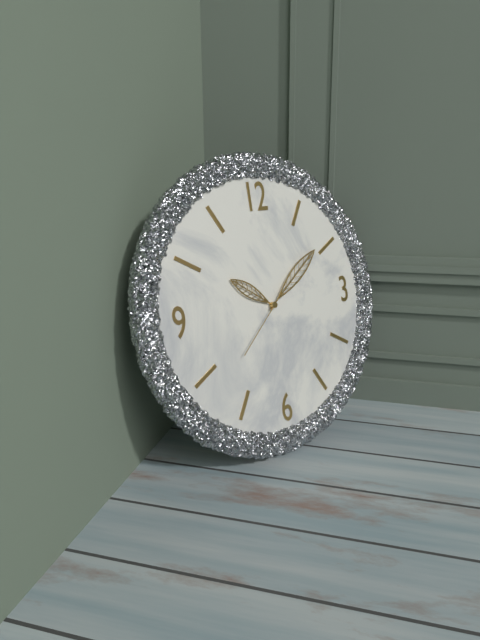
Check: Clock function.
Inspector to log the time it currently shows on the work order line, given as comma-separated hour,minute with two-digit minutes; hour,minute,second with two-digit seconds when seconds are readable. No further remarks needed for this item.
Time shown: 10,09,38
